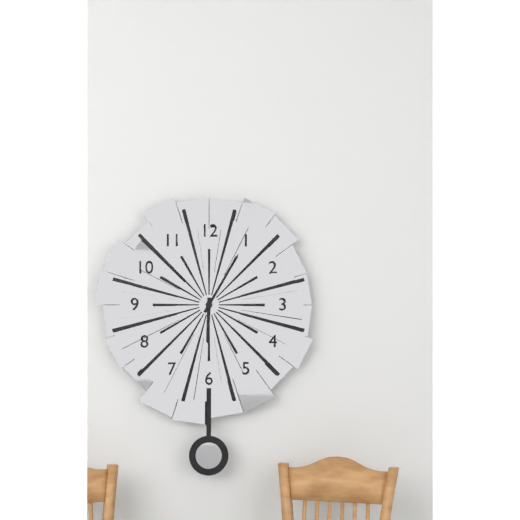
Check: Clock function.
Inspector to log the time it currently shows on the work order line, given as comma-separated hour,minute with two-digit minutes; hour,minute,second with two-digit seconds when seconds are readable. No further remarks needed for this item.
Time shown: 6,05
